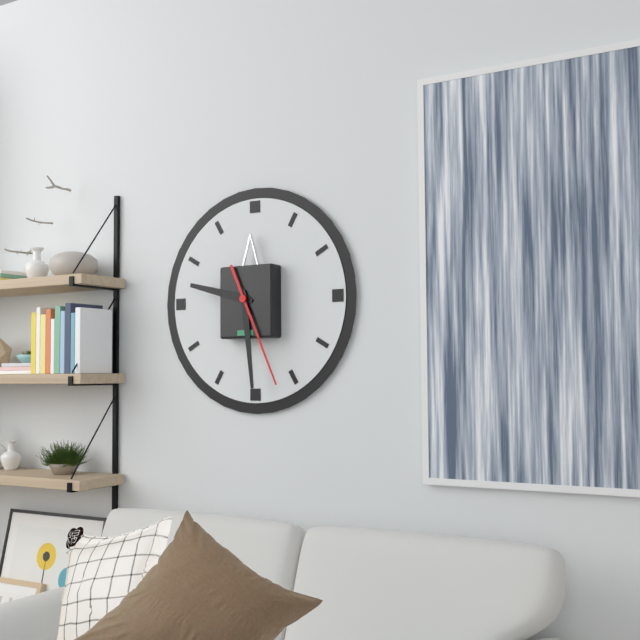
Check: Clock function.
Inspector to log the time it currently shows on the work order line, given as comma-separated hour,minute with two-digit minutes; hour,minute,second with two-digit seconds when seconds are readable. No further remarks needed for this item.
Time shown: 9,29,26
